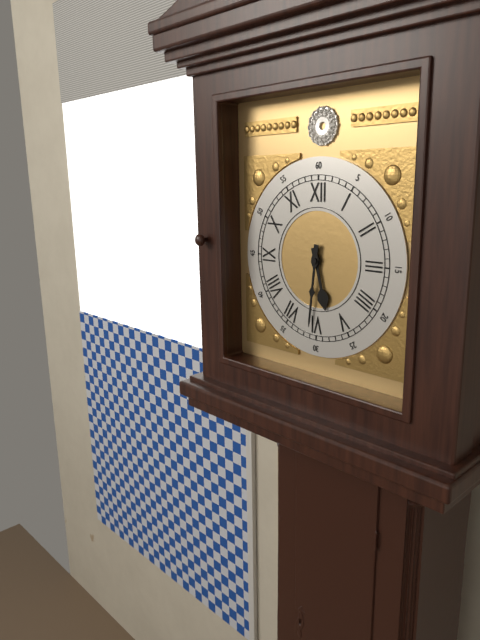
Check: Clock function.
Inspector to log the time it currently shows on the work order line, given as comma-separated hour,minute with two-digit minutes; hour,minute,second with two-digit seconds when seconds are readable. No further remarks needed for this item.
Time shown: 5,31
